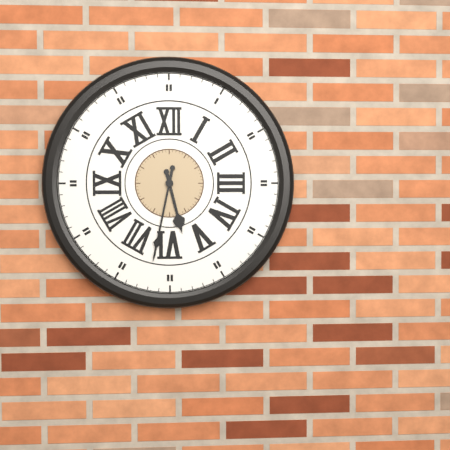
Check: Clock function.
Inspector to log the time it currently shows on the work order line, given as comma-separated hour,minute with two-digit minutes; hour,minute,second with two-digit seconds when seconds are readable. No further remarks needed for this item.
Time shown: 5,32
